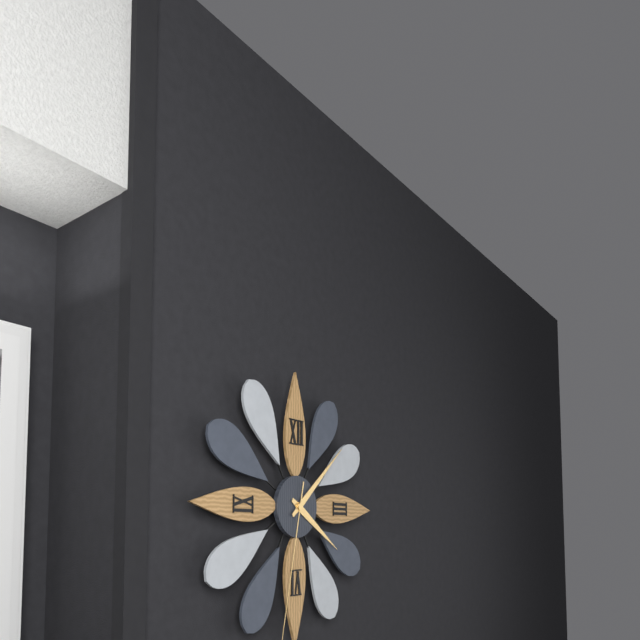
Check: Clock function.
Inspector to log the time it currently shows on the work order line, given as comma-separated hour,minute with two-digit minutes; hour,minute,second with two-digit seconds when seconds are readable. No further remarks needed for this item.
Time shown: 4,08
